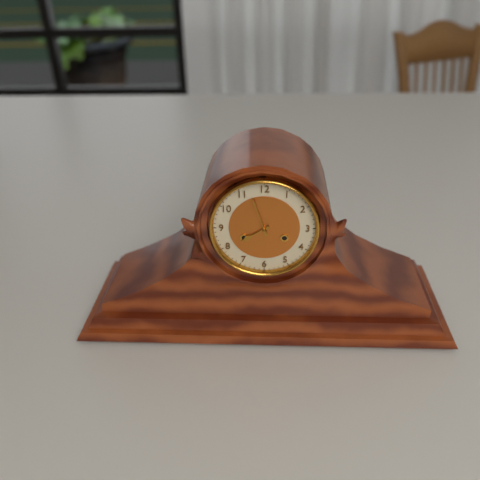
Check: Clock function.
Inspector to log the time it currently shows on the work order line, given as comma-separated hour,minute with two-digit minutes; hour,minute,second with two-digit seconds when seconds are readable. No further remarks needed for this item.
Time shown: 7,57
